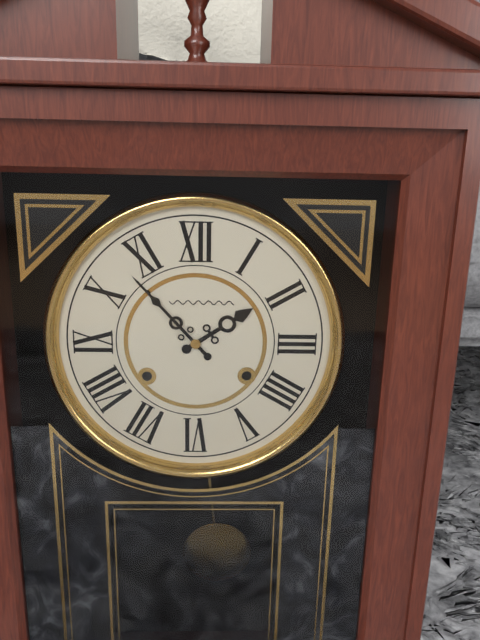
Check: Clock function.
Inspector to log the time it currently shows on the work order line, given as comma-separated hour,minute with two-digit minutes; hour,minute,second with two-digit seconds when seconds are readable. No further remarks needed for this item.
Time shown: 1,53
